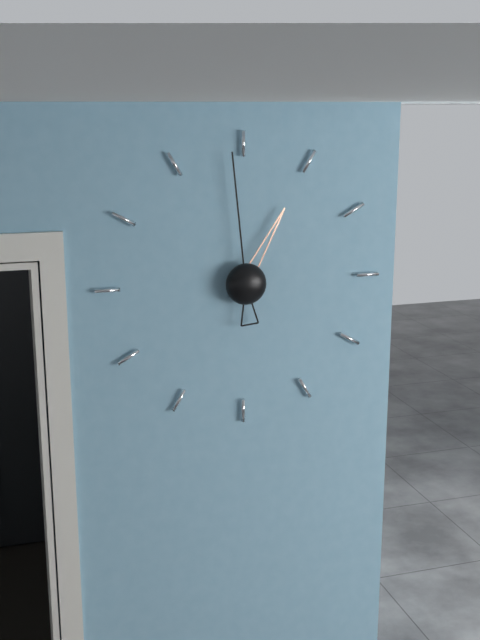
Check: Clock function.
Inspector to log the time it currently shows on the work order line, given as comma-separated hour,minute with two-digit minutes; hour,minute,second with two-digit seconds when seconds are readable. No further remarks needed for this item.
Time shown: 12,59
